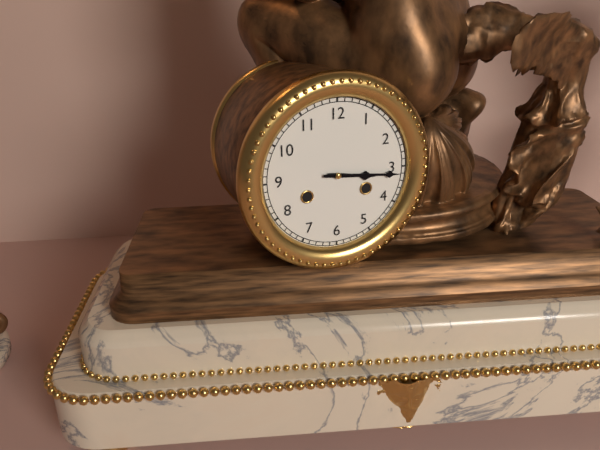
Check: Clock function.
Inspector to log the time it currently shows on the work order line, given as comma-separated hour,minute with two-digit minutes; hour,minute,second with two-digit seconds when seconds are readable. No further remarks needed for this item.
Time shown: 3,16
